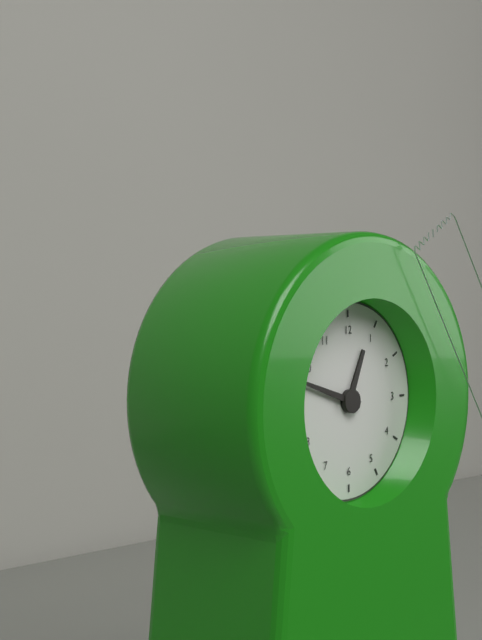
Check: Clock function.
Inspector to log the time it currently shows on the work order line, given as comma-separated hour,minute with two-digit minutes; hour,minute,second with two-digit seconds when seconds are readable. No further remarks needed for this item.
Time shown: 12,48
